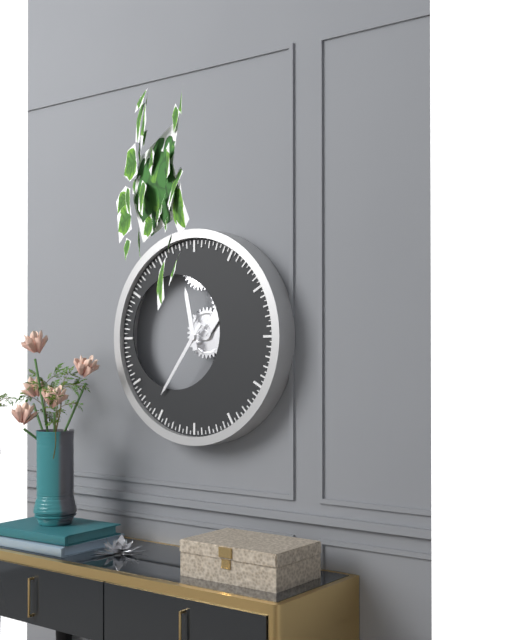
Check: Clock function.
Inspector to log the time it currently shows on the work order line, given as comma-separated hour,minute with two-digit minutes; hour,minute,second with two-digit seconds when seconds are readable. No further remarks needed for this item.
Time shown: 11,36
